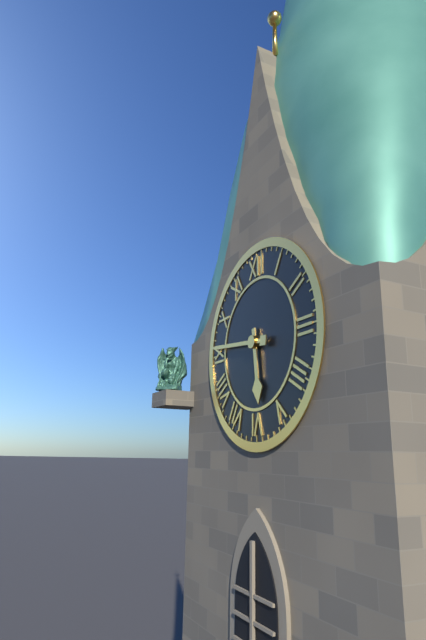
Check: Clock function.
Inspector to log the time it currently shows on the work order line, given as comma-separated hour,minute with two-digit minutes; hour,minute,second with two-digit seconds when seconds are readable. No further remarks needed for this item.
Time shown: 5,46
